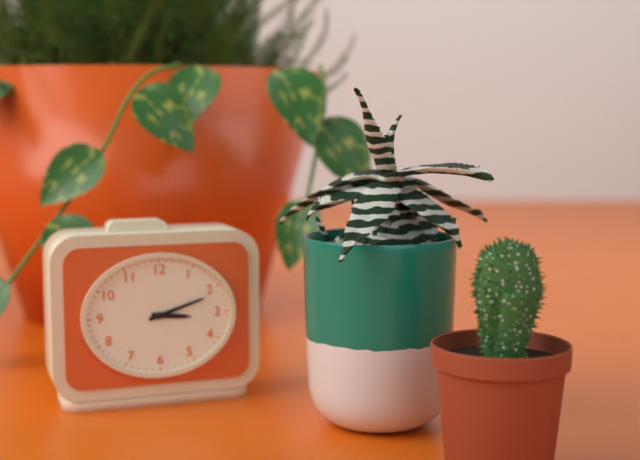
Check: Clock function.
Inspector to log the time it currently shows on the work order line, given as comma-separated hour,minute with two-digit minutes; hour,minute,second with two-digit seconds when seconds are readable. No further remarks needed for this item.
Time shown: 3,12
